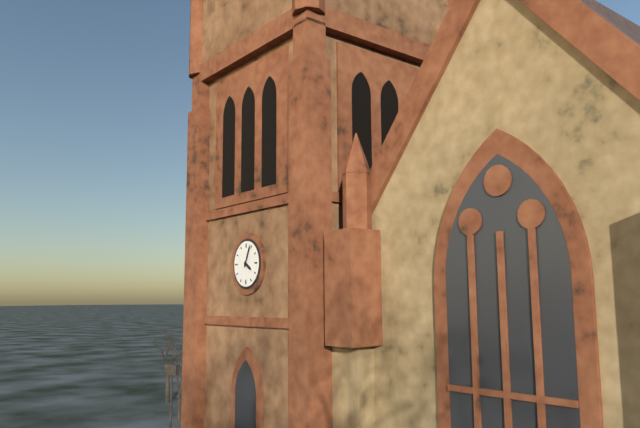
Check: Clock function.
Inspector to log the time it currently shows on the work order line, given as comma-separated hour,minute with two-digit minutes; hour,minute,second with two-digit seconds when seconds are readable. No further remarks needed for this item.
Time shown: 4,04
